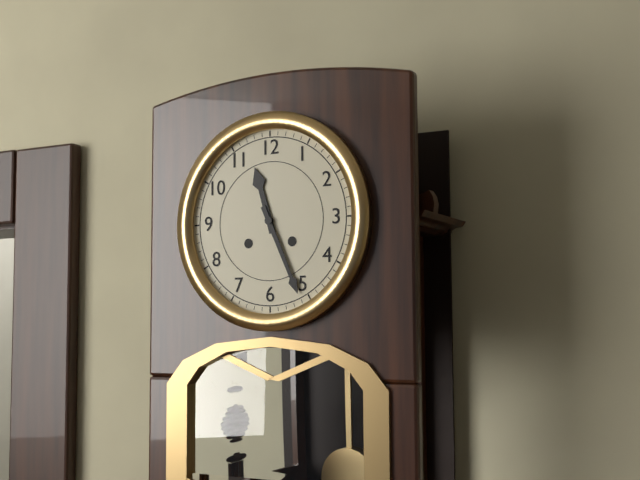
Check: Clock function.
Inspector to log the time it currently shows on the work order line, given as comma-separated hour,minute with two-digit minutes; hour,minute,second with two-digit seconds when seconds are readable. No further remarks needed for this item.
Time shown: 11,26
